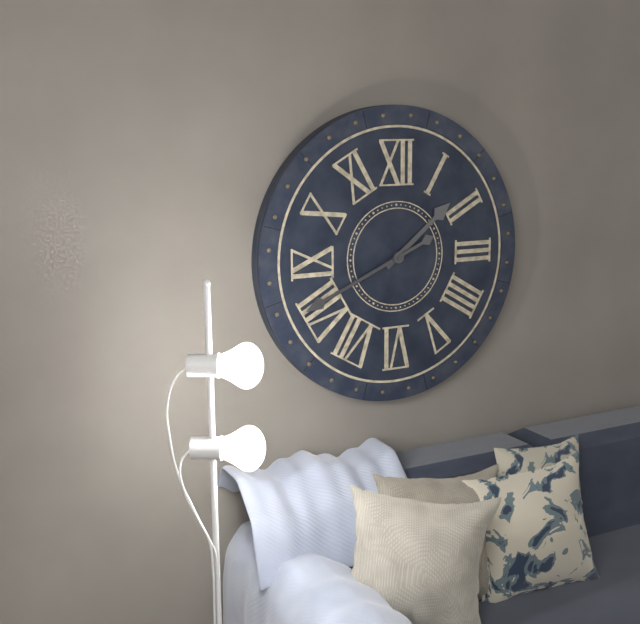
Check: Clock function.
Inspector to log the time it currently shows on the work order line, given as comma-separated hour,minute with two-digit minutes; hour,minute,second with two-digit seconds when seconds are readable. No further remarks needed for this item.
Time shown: 1,41
